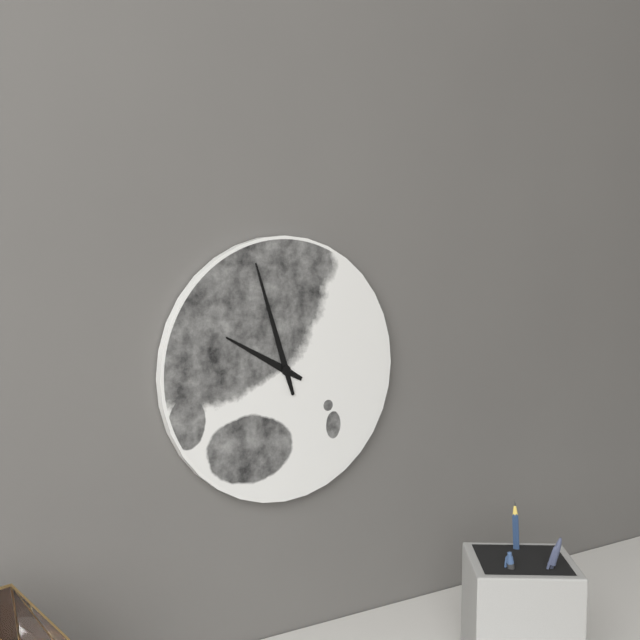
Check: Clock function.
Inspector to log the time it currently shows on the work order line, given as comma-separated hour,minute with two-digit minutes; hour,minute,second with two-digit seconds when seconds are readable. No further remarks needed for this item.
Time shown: 9,57
